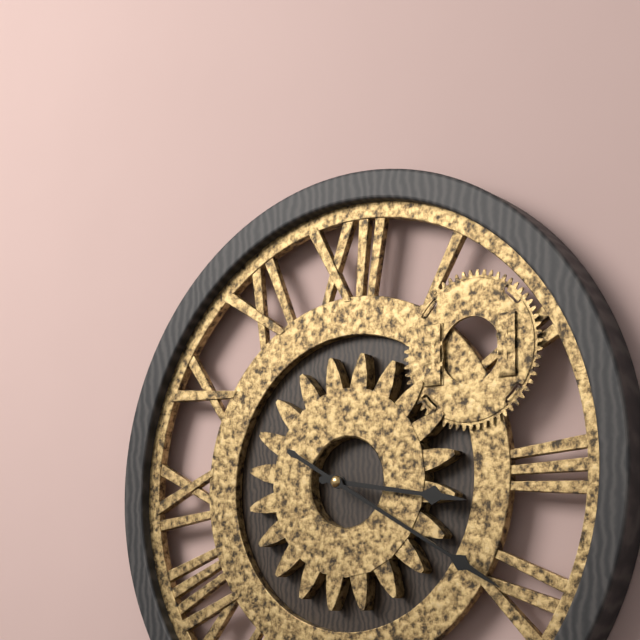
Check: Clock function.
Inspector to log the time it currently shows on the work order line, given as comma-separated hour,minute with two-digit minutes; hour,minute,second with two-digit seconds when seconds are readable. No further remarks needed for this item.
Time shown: 3,20
